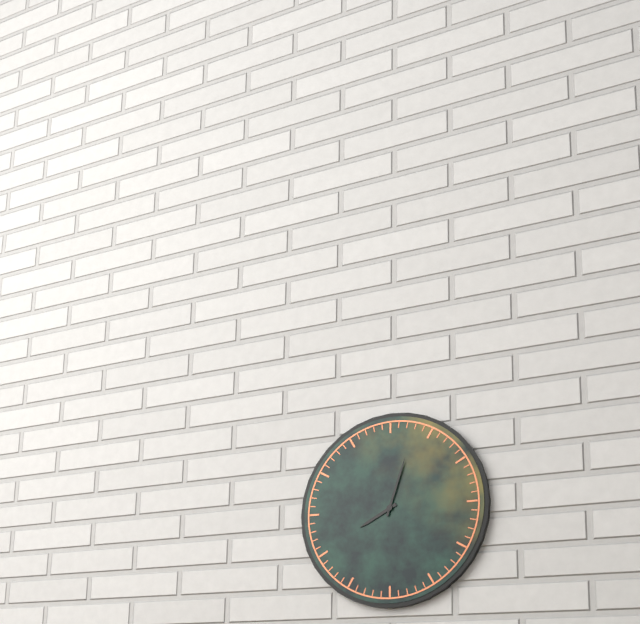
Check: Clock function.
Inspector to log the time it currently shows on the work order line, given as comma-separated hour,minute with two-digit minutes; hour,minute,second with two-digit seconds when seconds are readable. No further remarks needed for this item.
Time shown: 8,03
